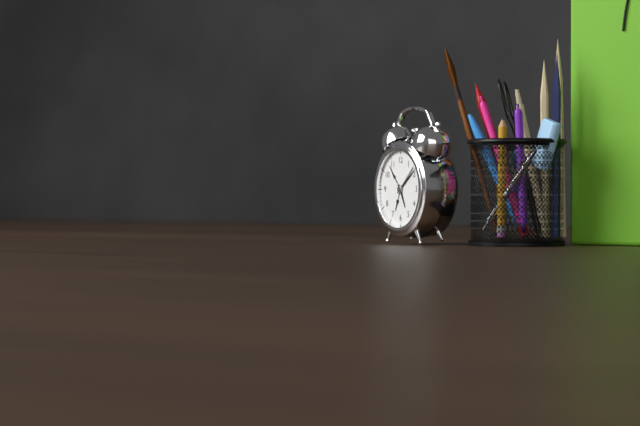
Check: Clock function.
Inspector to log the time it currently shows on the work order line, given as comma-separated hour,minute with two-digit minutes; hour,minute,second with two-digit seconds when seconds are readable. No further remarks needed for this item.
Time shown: 5,09
